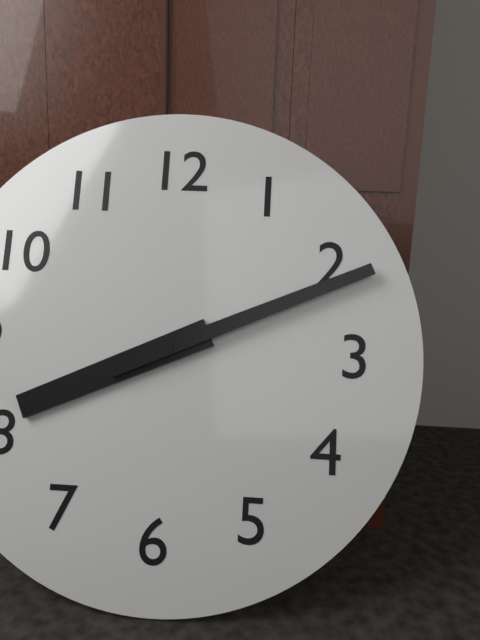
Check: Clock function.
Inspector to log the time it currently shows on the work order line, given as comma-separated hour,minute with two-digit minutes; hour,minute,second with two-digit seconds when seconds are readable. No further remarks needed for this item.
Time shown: 8,11
